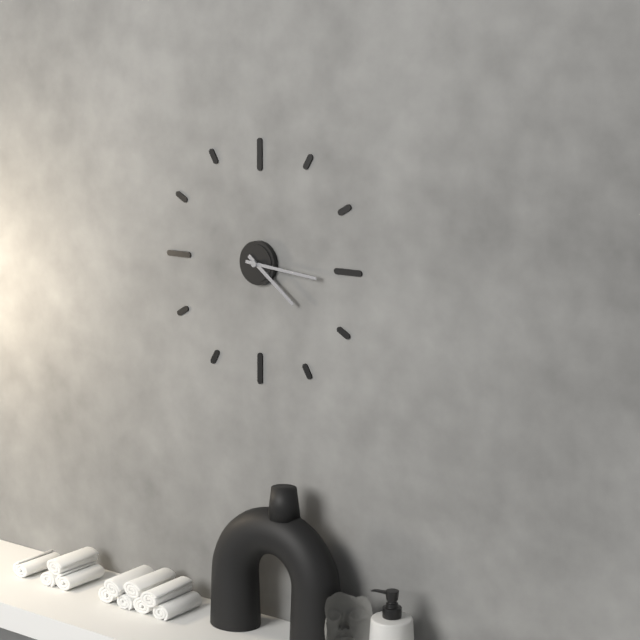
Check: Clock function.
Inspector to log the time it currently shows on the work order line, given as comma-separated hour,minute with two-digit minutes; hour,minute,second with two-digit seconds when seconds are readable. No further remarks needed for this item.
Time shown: 4,16
